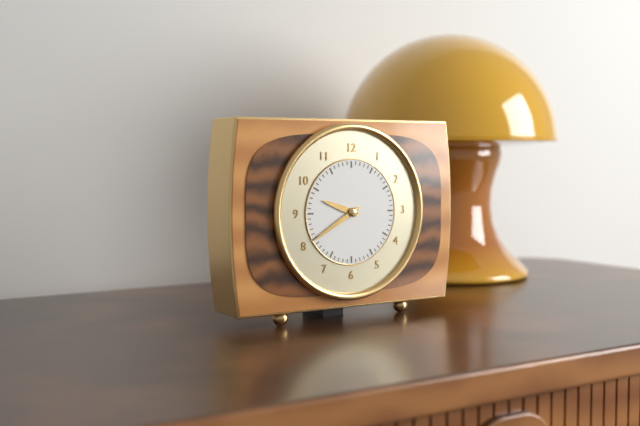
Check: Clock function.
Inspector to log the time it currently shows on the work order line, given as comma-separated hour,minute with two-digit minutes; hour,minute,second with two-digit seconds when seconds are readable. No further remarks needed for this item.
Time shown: 9,40
